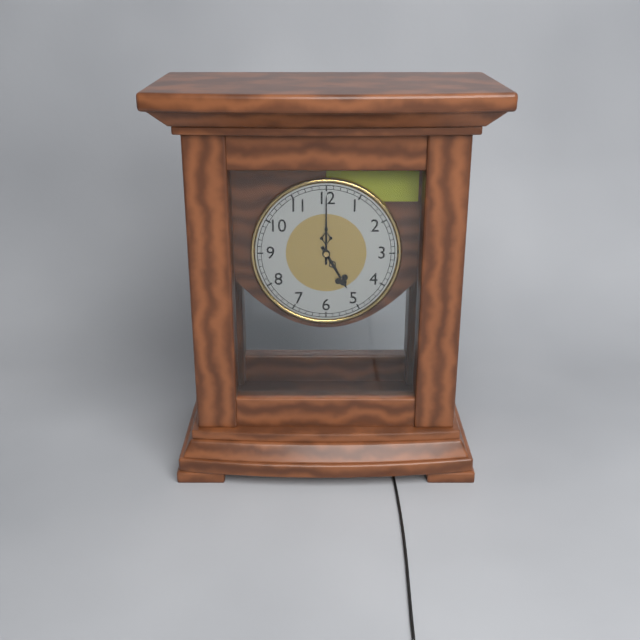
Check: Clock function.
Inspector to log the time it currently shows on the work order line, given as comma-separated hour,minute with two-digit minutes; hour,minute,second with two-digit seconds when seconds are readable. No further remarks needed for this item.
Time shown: 5,00
